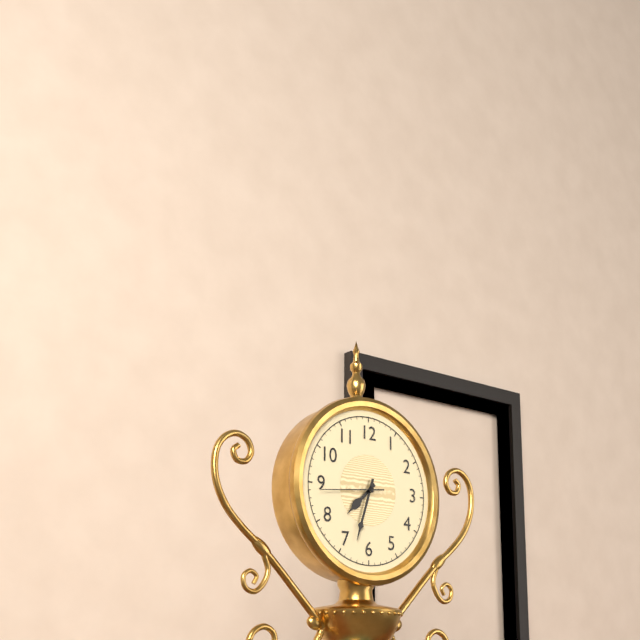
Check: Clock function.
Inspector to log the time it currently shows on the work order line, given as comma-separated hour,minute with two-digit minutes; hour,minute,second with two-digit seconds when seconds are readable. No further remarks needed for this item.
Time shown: 7,33,44
